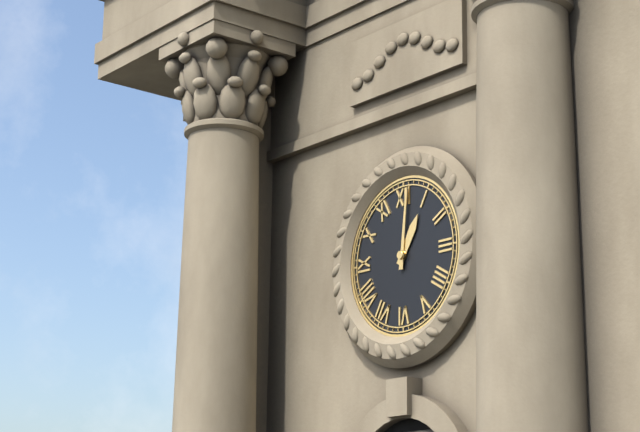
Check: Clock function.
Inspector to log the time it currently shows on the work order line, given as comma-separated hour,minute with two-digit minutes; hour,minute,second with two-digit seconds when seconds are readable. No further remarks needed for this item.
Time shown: 1,01
